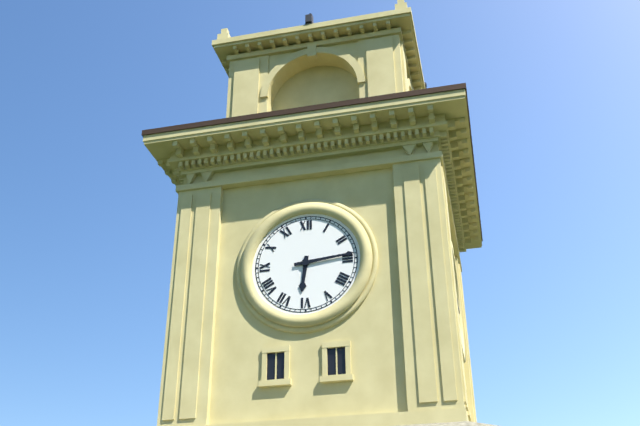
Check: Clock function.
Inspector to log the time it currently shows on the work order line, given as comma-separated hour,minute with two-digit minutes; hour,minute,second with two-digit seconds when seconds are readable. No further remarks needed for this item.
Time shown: 6,14
